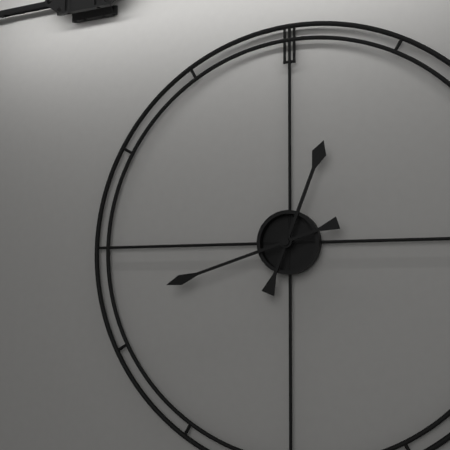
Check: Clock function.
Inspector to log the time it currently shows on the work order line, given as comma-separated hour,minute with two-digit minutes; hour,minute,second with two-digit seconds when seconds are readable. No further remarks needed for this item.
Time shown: 12,42
